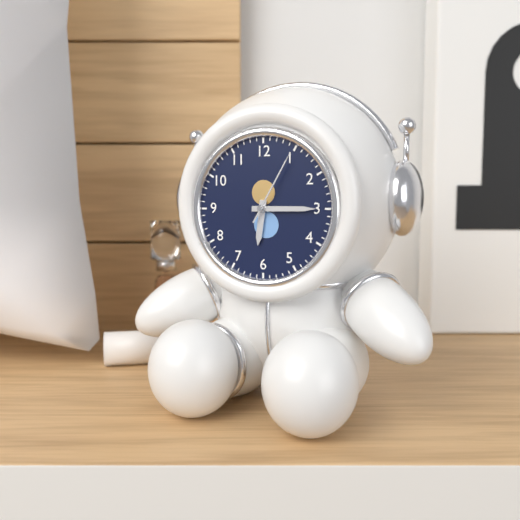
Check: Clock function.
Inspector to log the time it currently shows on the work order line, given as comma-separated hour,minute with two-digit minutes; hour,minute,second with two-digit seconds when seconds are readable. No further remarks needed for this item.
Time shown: 6,15,05
